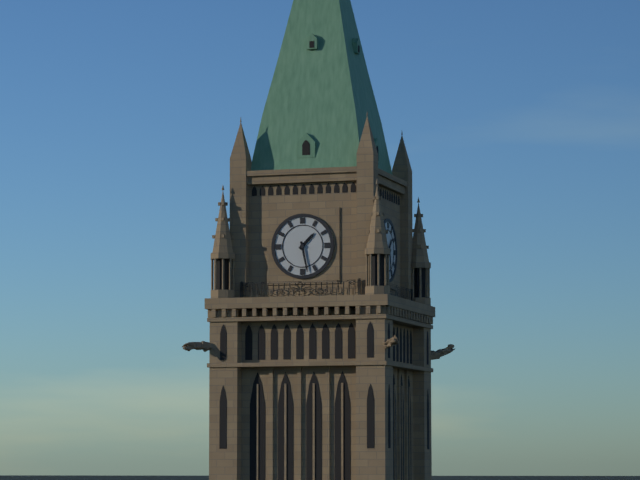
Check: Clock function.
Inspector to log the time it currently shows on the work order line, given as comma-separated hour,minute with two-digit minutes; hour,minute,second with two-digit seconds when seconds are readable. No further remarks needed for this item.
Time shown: 1,28
